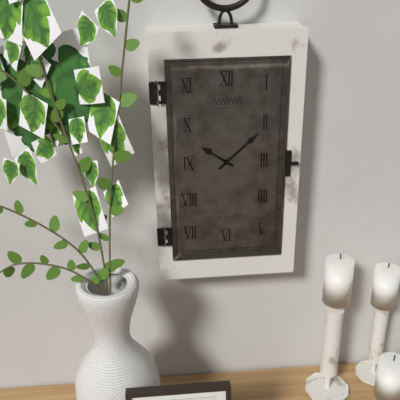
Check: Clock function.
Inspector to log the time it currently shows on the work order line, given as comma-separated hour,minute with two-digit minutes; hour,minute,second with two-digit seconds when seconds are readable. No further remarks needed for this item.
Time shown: 10,08
